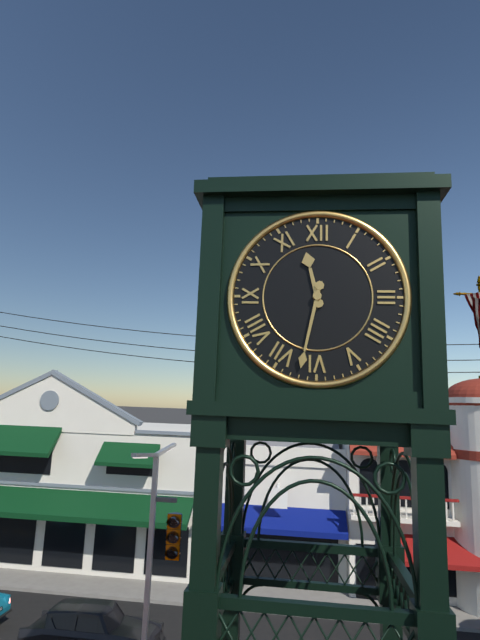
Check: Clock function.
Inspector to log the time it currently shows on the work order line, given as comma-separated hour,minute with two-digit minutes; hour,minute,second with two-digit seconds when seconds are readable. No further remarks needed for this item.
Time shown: 11,32
